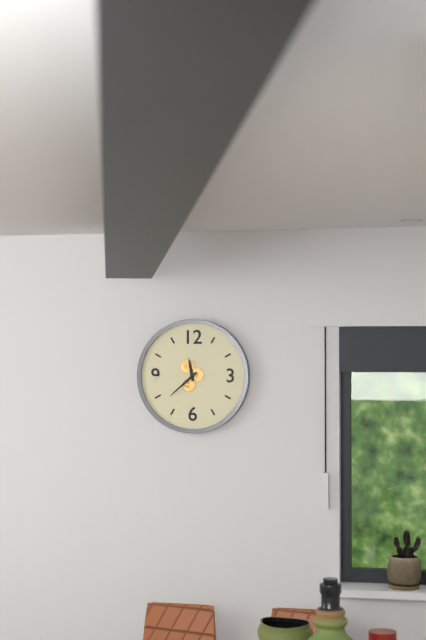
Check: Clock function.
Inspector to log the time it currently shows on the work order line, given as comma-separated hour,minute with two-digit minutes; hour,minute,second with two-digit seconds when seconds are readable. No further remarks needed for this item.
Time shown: 11,38
